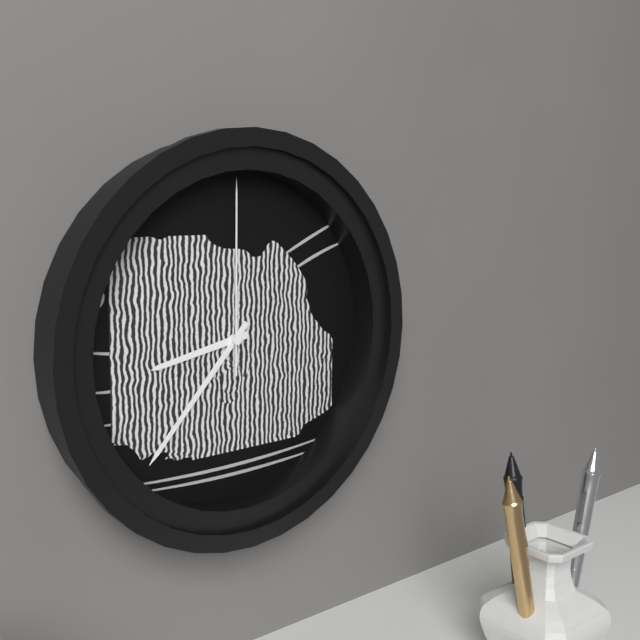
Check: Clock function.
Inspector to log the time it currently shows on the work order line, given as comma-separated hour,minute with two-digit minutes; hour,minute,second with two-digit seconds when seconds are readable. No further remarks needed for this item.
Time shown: 8,37,00
